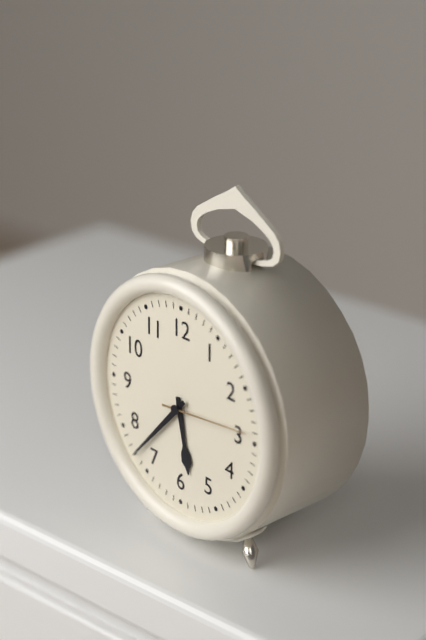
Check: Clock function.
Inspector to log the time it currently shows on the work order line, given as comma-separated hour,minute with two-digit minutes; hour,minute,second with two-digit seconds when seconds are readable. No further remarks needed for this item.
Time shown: 5,37,14
